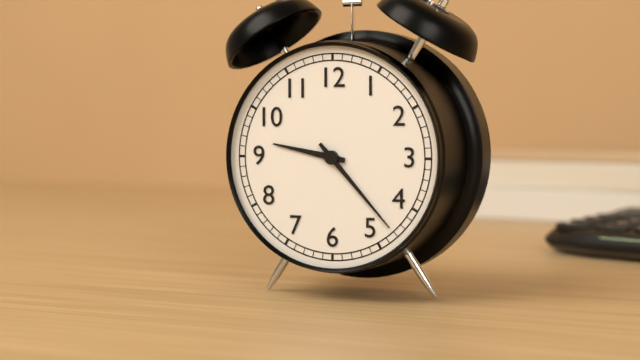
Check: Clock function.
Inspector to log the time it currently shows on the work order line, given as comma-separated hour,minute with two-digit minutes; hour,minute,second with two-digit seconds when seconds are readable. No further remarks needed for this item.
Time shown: 9,23
